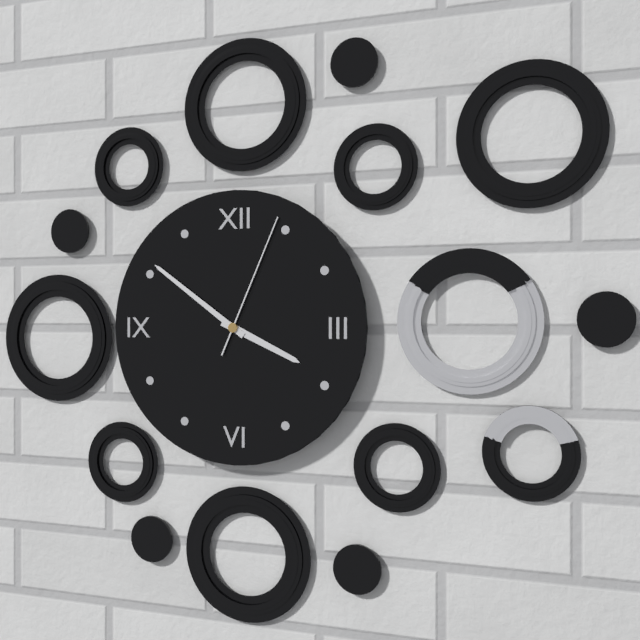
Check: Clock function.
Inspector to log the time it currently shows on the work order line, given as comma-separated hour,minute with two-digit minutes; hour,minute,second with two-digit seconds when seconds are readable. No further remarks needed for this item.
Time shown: 3,51,04
